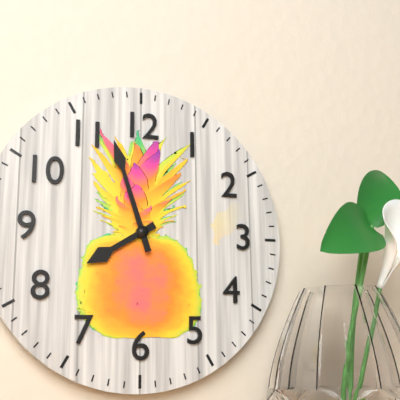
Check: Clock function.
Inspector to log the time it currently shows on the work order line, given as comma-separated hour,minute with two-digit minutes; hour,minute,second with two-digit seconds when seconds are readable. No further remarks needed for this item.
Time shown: 7,57
